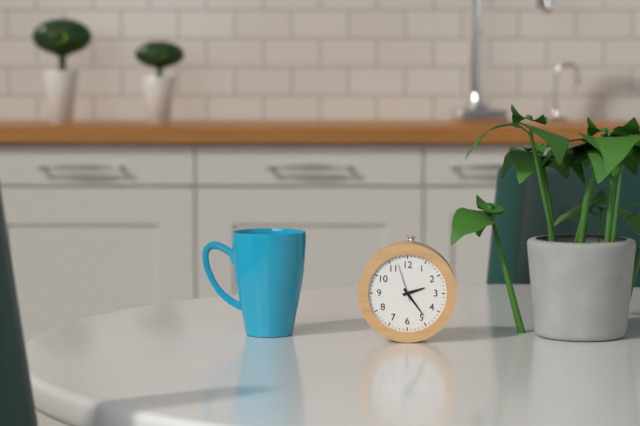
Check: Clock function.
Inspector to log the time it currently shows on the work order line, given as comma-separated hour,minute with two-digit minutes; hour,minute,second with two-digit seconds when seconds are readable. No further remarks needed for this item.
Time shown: 2,24
